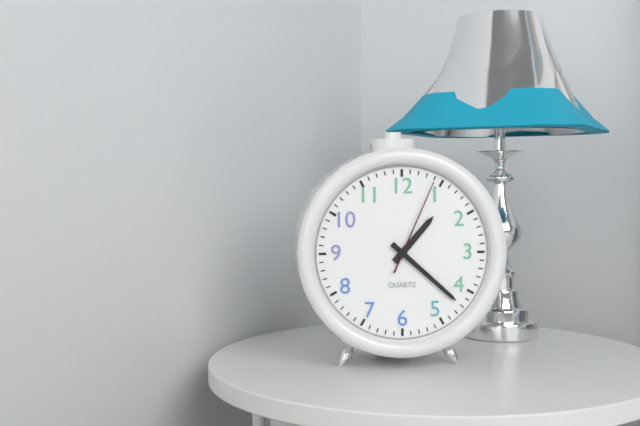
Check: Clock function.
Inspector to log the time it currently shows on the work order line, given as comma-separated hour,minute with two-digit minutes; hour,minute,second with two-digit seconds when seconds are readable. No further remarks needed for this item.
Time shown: 1,22,04
